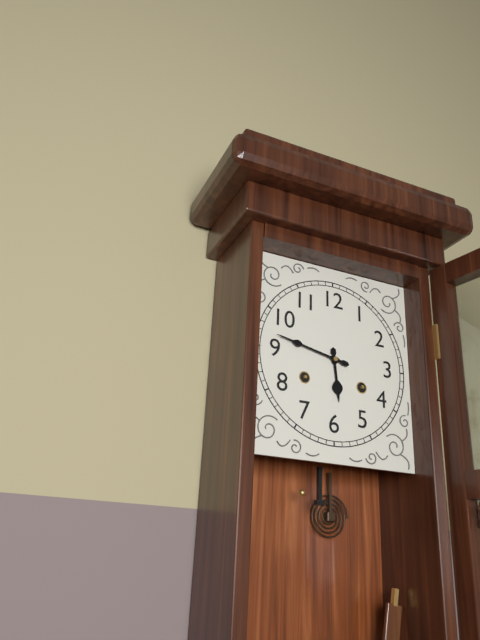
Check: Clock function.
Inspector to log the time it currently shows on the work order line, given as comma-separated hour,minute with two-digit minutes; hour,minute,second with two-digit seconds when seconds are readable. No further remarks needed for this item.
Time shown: 5,47
